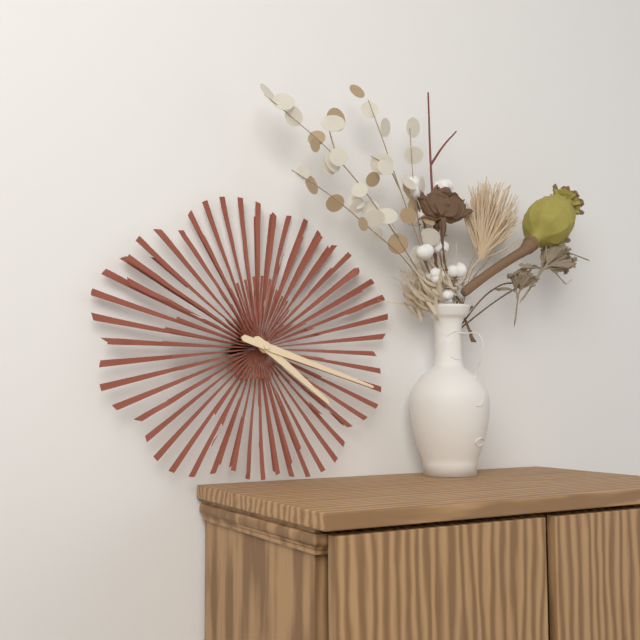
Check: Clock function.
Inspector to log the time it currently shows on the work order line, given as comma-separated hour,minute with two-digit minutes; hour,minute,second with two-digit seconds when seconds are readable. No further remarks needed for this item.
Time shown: 4,18
